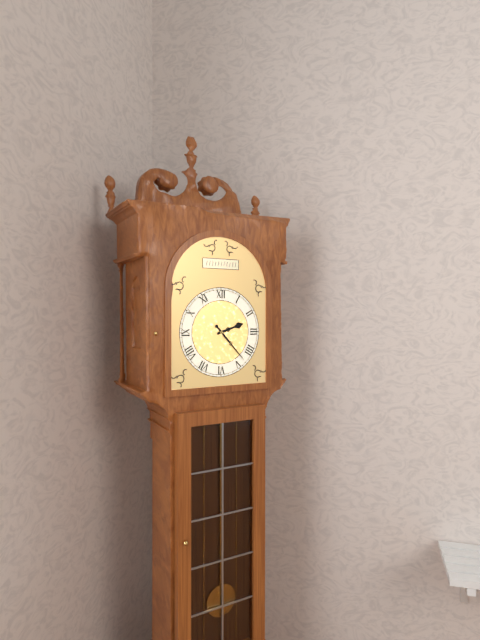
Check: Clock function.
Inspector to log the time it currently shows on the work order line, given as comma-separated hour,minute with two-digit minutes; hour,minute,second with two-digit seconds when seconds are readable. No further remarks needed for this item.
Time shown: 2,23
